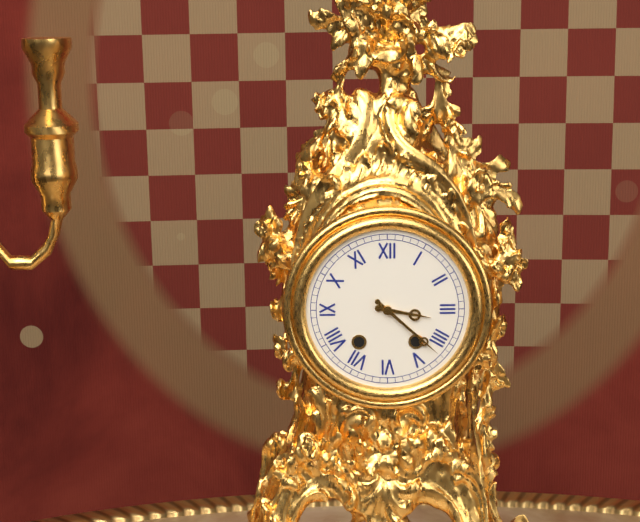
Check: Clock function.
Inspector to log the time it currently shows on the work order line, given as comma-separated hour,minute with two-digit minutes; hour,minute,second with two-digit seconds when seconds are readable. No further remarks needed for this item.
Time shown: 3,22
